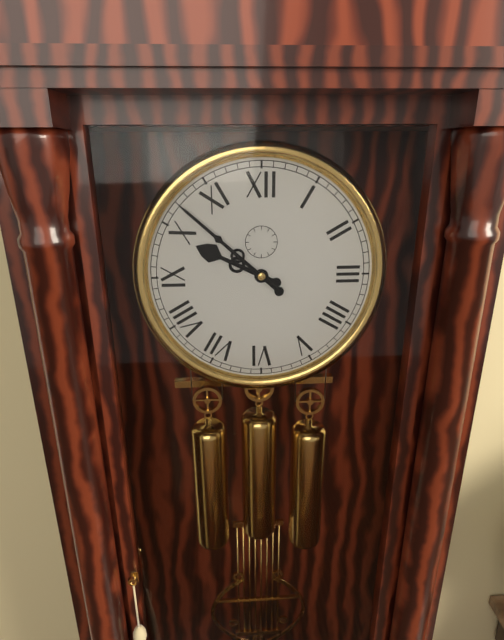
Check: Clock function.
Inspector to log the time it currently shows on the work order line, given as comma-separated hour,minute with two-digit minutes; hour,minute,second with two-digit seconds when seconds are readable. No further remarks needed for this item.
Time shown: 9,52
